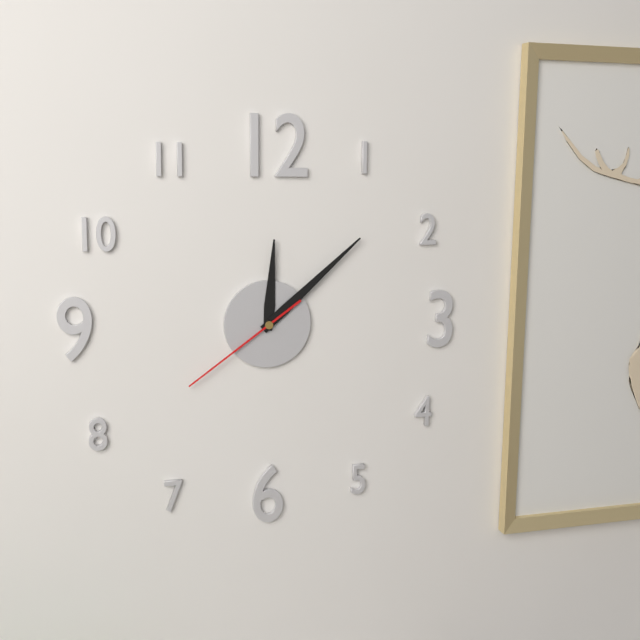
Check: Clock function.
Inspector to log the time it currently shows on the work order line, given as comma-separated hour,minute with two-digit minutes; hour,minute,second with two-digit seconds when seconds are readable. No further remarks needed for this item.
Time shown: 12,08,39
